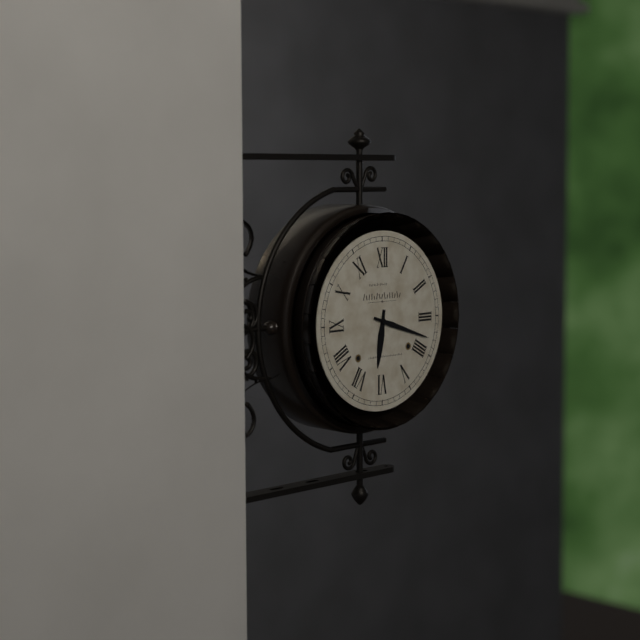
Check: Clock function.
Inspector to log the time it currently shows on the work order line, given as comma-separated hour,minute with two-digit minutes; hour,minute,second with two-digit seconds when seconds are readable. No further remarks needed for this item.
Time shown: 6,18
